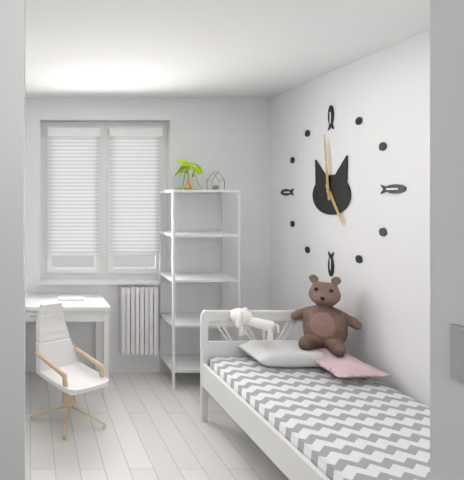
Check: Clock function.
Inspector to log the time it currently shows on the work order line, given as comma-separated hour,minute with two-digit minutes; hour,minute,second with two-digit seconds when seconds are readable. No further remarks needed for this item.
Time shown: 4,59
